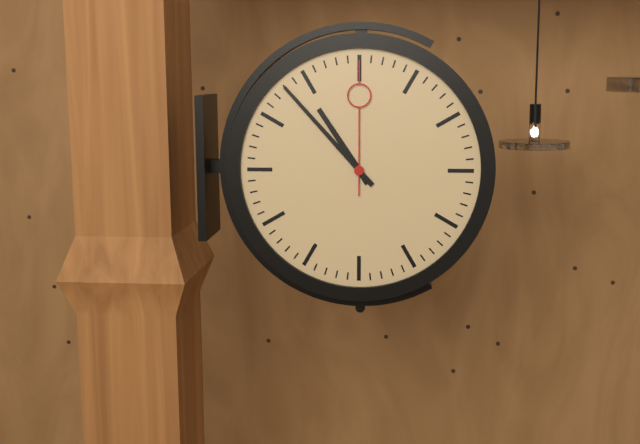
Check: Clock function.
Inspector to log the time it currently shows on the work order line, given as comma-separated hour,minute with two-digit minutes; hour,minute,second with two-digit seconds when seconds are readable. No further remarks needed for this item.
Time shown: 10,53,00
